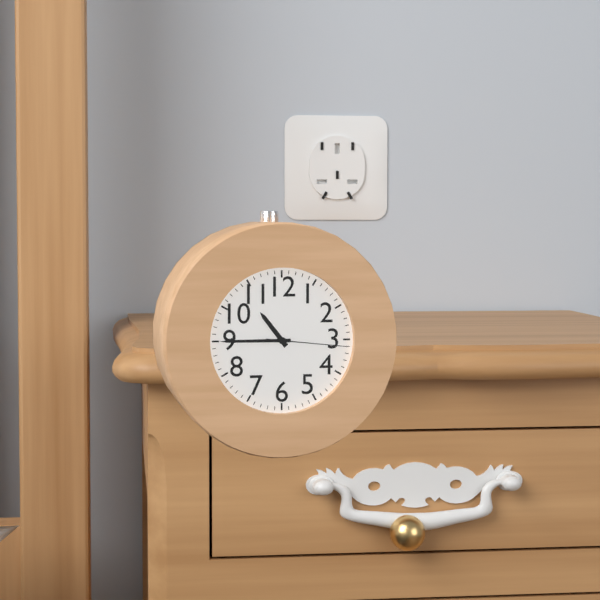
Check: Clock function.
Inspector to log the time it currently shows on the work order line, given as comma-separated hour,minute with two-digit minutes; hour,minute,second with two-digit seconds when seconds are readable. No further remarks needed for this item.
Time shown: 10,45,16
